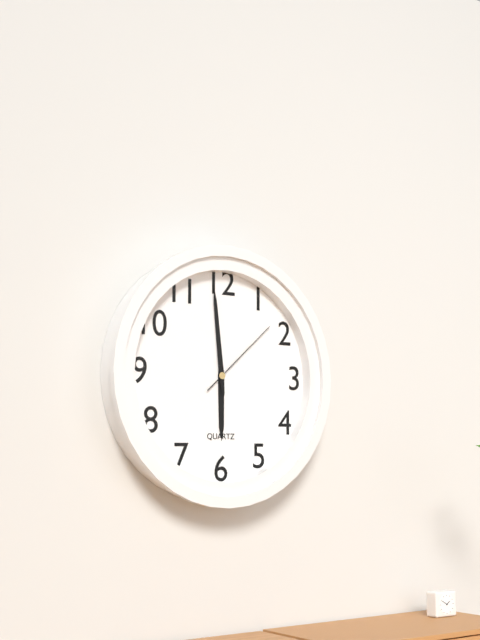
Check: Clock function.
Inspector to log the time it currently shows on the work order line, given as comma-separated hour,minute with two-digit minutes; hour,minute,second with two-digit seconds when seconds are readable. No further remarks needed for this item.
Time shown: 5,59,08
